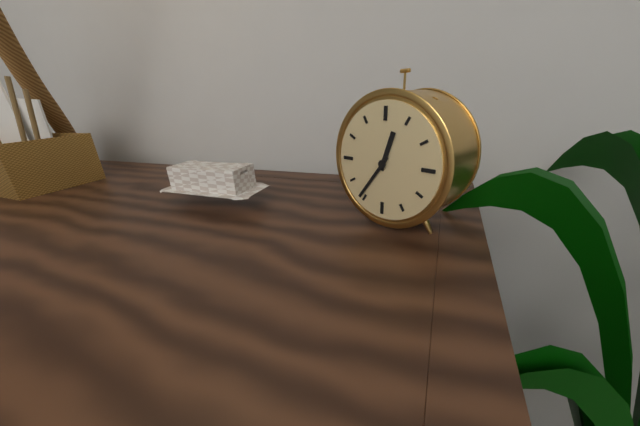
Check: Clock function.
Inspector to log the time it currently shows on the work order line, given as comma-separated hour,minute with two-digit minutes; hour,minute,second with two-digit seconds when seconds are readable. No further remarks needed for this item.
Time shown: 12,36
